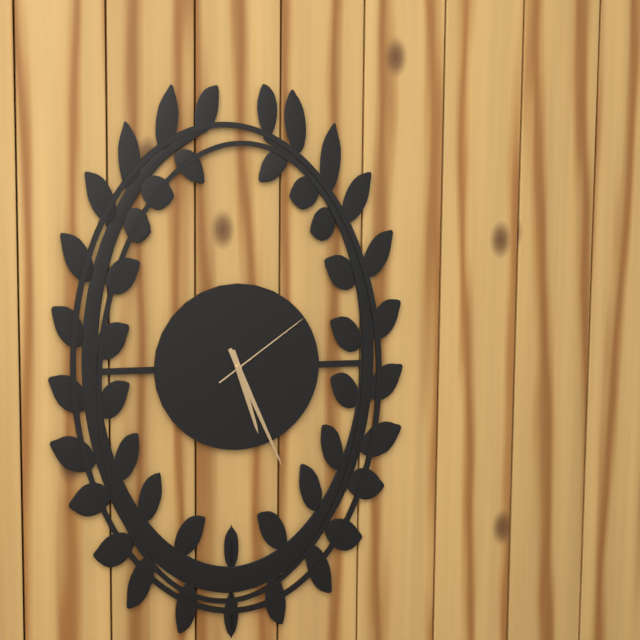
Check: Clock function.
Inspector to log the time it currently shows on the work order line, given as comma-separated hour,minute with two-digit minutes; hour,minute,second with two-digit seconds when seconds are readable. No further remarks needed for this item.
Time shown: 5,26,09
